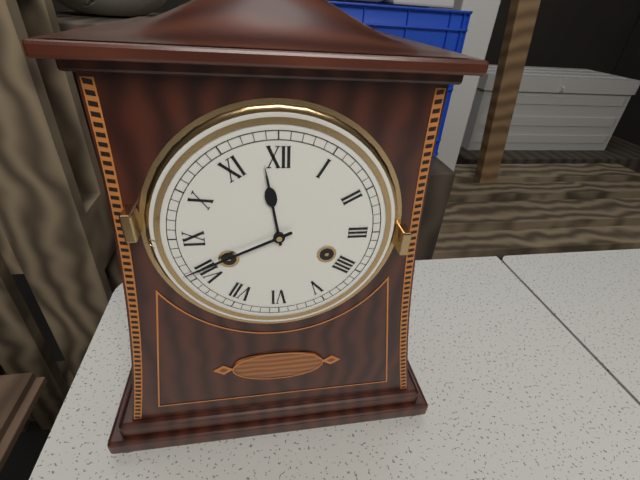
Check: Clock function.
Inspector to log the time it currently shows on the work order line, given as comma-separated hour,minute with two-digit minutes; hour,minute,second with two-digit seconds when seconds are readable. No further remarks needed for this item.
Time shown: 11,41
